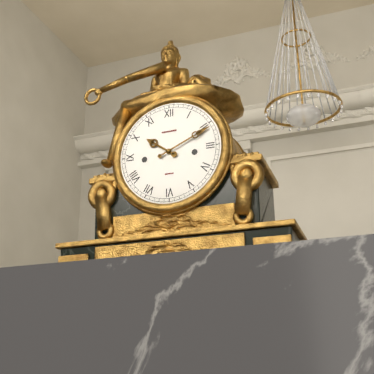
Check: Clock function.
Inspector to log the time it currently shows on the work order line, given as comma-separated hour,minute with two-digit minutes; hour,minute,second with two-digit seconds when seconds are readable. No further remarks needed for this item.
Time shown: 10,11
